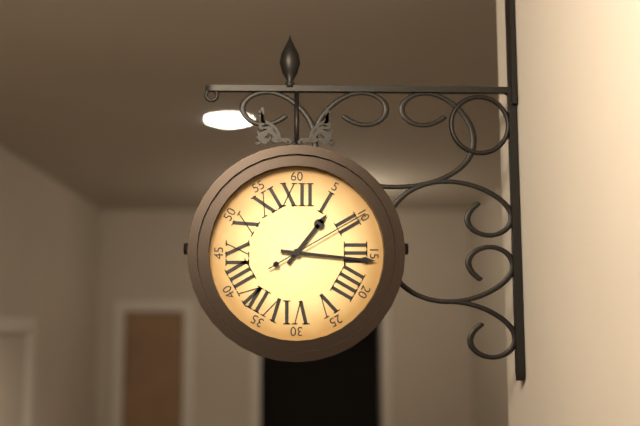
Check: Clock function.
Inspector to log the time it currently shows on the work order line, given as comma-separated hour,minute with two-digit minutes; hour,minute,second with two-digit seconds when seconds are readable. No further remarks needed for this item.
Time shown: 1,16,10
